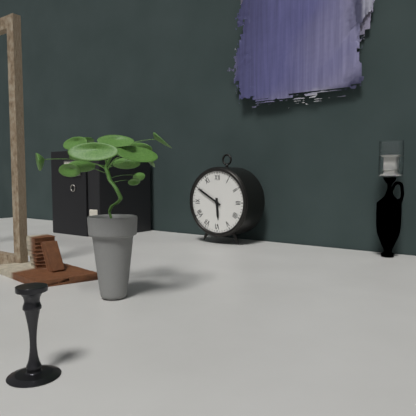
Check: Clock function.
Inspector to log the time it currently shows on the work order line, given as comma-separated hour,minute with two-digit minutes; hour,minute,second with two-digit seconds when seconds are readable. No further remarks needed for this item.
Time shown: 5,50
